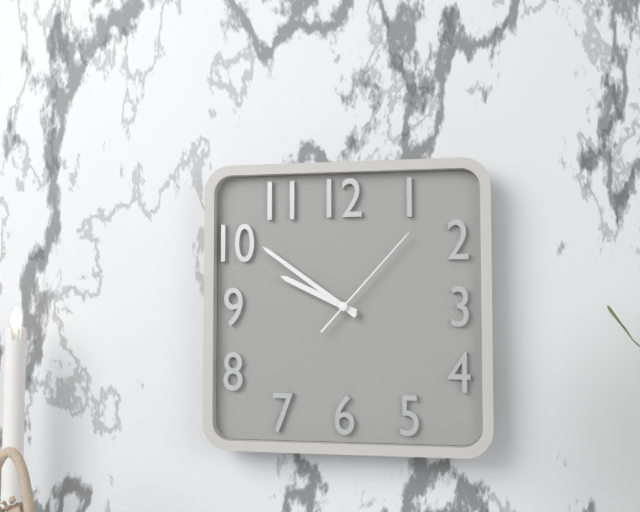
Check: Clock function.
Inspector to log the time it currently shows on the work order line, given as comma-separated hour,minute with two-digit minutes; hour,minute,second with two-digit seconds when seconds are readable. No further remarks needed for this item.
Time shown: 9,51,07
